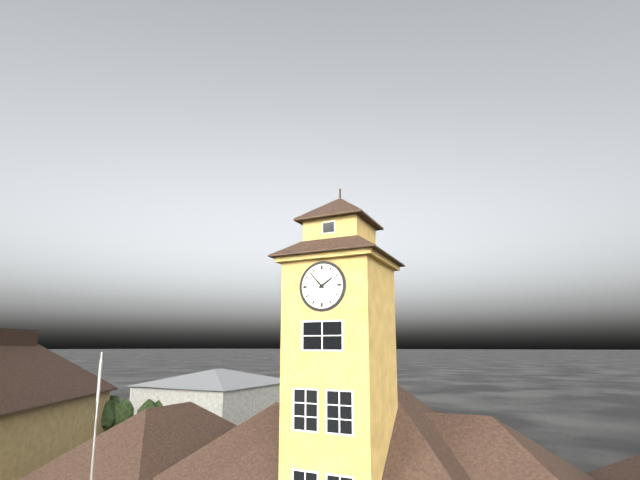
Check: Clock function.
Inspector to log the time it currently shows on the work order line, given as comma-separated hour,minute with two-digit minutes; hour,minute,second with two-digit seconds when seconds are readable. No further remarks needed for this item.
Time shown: 1,53
